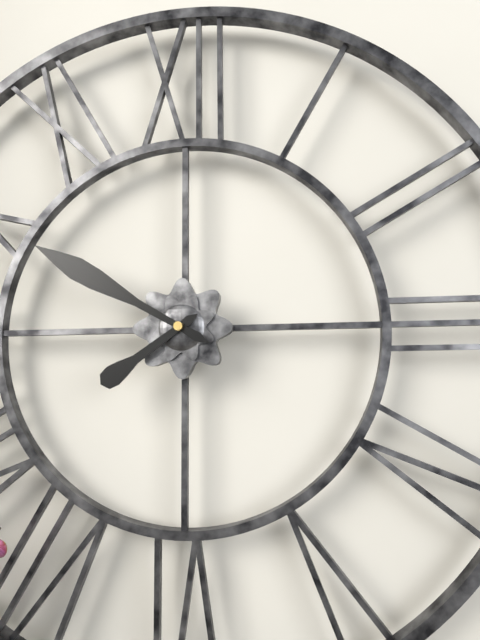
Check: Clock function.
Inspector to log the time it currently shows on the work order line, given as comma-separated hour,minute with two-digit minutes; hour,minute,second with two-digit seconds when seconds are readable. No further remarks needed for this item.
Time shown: 7,50
